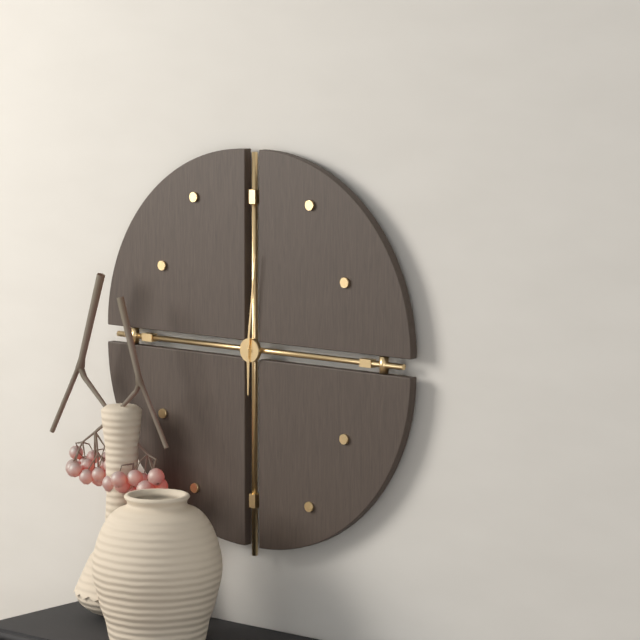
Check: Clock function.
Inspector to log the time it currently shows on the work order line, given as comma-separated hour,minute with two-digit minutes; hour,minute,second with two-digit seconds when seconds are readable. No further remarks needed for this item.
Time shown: 6,01
